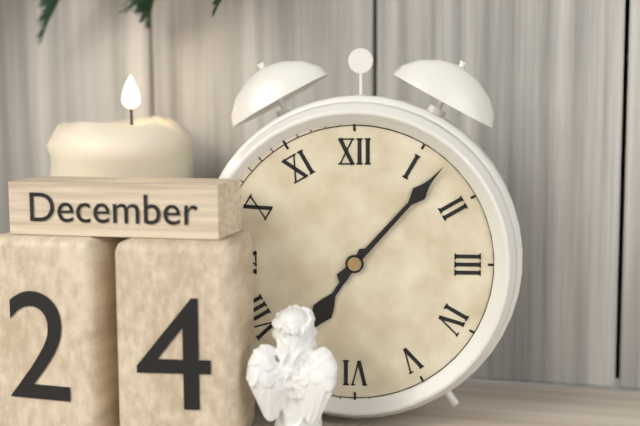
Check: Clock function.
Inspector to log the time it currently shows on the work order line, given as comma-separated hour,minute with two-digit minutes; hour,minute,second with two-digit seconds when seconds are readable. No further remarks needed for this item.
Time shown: 7,07
